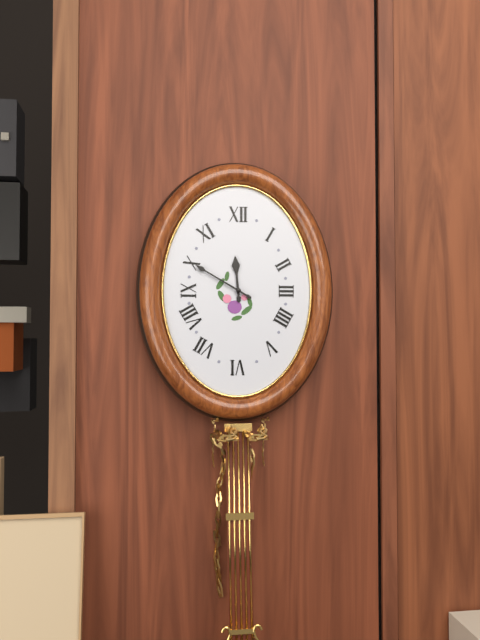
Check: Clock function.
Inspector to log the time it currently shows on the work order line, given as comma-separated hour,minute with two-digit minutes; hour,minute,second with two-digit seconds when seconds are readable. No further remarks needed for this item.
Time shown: 11,50
